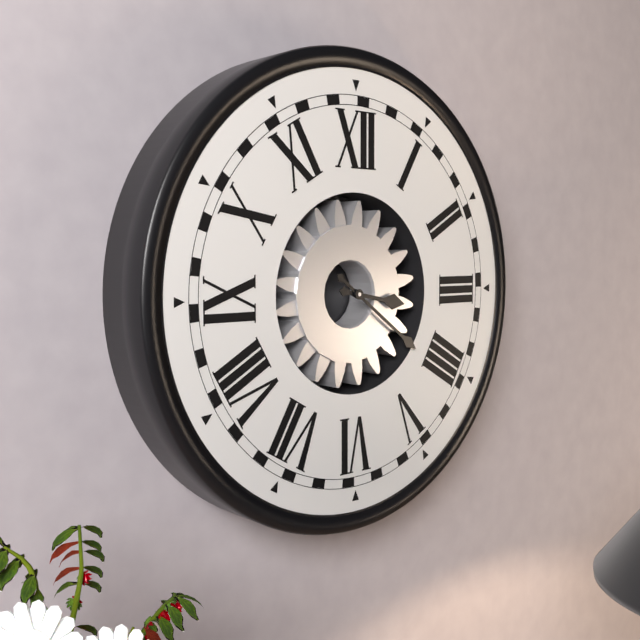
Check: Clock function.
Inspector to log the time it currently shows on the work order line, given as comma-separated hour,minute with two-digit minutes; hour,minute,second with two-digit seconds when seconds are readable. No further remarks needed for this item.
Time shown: 3,21
